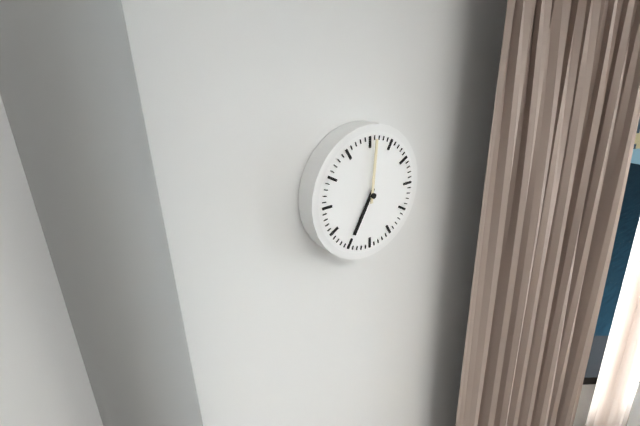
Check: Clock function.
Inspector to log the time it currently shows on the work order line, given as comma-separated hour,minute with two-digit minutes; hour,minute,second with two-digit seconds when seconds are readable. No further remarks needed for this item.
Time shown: 7,01
